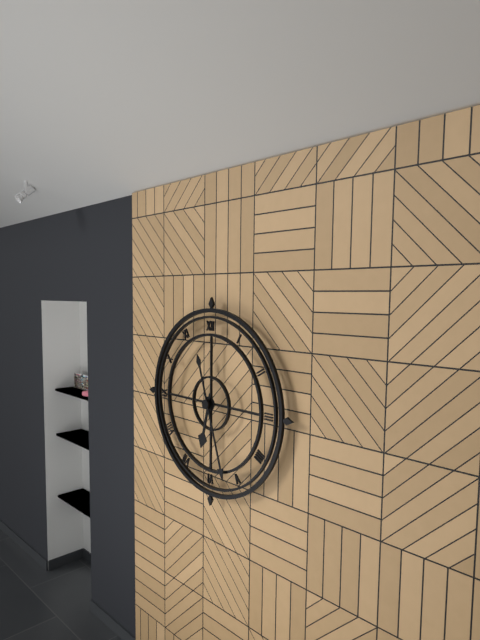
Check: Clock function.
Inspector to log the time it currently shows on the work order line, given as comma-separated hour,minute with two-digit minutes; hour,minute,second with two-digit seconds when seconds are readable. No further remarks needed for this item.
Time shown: 6,27
